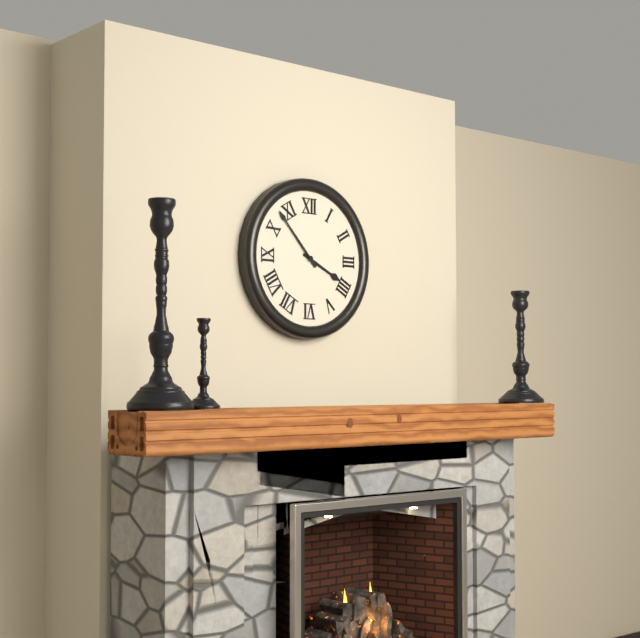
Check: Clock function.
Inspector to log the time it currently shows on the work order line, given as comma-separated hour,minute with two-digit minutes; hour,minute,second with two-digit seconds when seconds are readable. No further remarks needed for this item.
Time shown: 3,53
